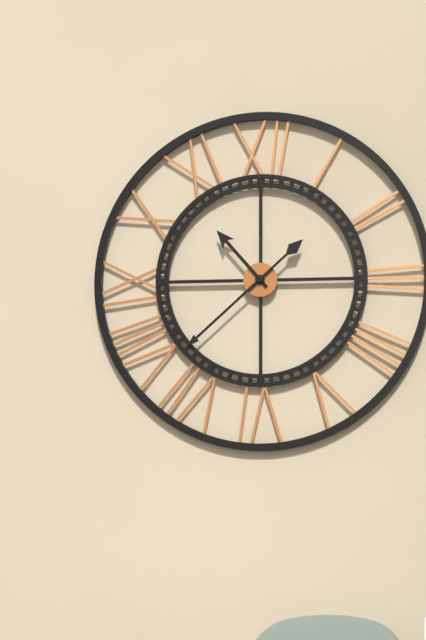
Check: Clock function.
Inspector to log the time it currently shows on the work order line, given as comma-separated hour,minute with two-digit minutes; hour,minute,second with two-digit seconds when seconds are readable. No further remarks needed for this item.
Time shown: 10,38
